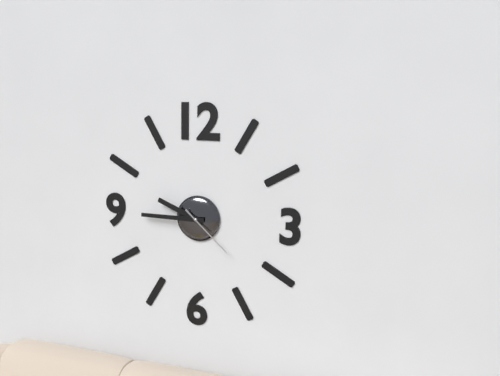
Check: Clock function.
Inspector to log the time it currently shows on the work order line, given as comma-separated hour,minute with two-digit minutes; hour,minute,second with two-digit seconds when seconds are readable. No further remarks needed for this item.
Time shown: 9,45,22
